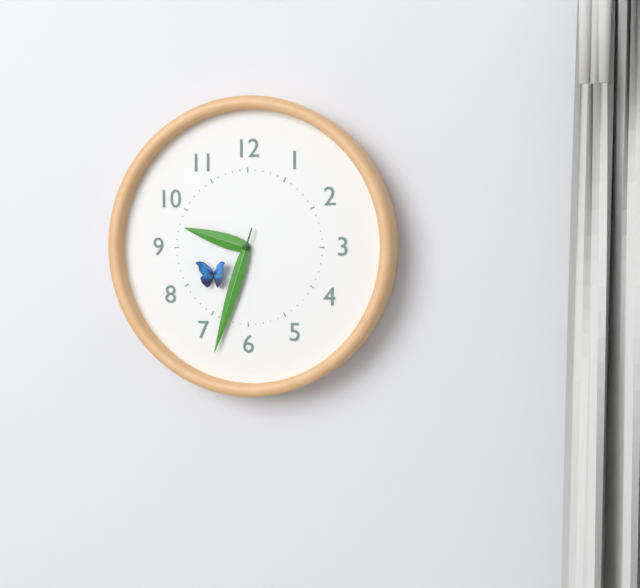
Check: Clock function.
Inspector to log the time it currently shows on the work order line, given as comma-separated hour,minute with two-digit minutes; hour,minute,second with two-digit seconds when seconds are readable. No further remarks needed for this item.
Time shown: 9,33
